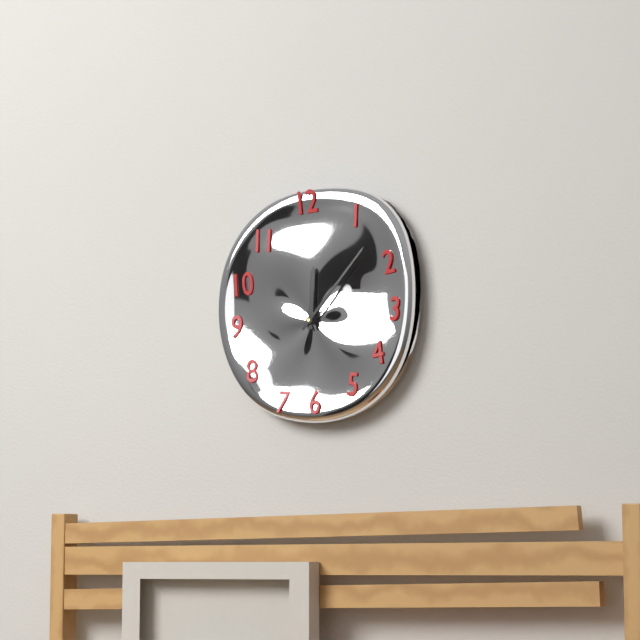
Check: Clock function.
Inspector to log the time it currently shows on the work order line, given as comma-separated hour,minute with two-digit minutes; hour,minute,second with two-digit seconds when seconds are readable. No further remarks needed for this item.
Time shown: 12,07
